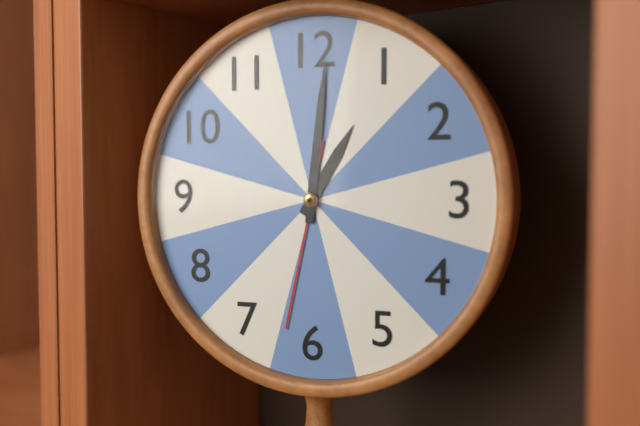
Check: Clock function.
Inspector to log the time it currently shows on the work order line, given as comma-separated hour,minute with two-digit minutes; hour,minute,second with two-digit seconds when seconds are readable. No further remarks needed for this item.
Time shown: 1,01,32
